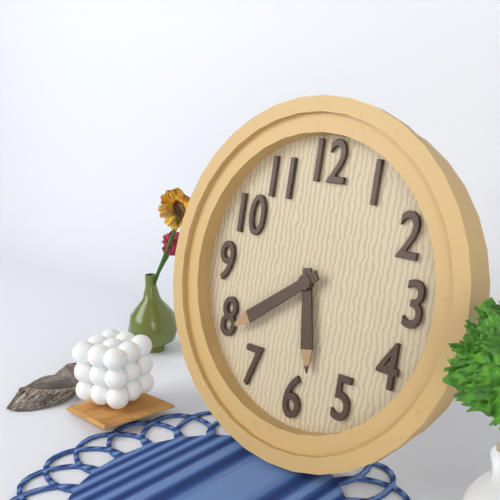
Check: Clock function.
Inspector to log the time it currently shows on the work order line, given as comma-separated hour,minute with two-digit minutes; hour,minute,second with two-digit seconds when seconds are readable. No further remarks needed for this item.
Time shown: 5,39
